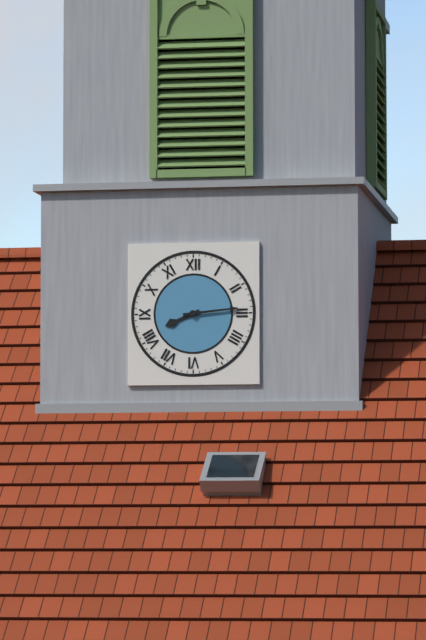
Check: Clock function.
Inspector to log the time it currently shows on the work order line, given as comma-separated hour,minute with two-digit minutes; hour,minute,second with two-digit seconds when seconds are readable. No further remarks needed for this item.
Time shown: 8,14
